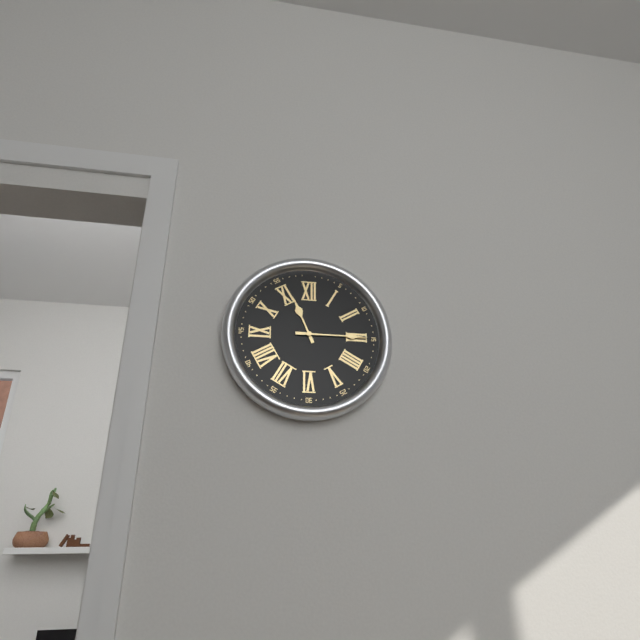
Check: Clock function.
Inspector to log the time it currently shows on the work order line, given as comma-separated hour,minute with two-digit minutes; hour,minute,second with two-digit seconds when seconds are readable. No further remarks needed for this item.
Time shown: 11,15
